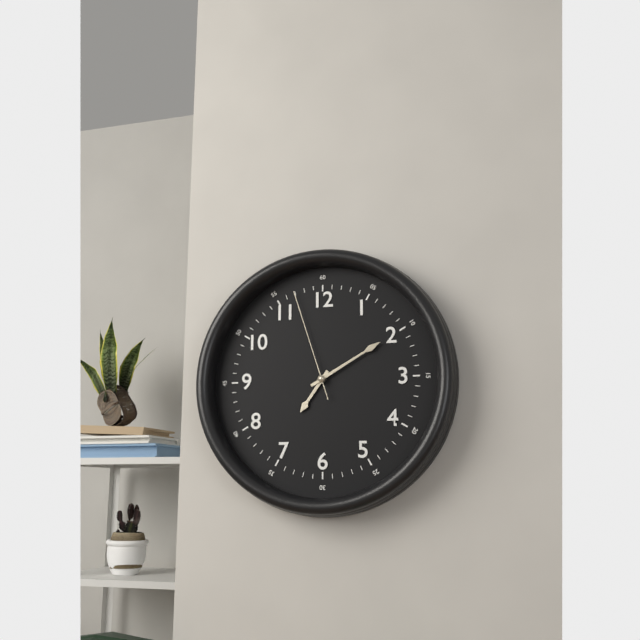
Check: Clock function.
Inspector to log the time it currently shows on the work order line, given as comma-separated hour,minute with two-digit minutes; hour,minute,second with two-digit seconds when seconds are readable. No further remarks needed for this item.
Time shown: 7,10,57
